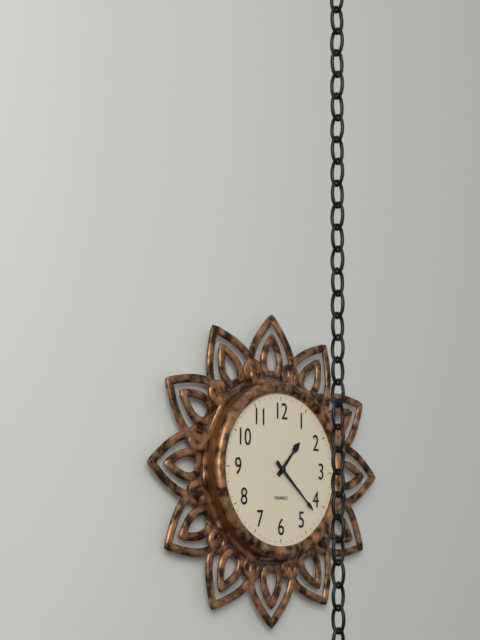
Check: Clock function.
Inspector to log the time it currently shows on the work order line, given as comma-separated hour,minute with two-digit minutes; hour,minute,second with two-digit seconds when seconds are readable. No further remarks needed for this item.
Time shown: 1,22
